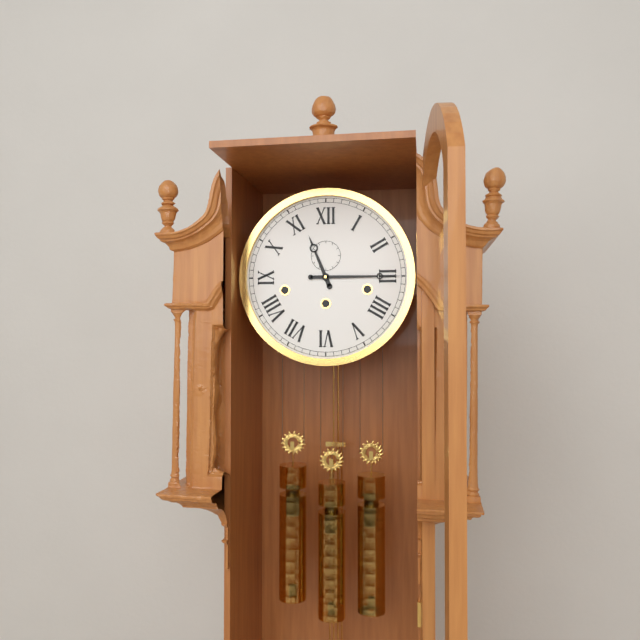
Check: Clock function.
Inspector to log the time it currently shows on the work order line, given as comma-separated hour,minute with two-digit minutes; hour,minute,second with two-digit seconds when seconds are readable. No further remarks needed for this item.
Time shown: 11,15
